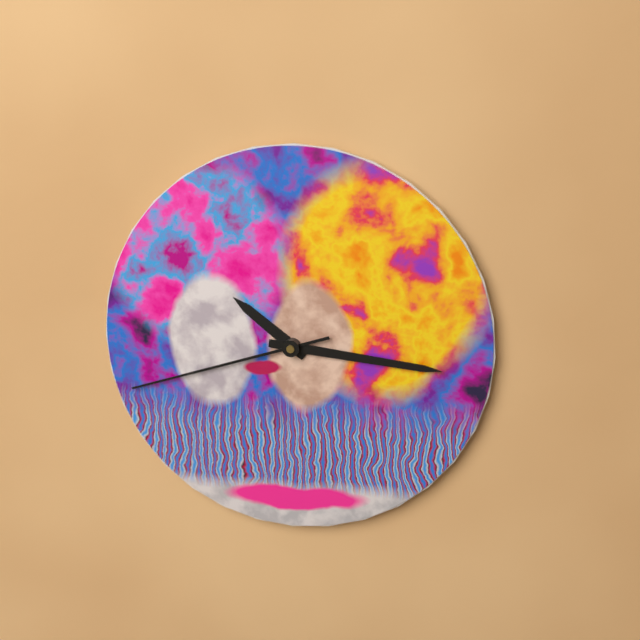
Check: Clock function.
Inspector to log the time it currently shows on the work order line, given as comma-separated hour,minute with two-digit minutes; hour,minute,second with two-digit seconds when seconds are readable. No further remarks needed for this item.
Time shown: 10,16,42
